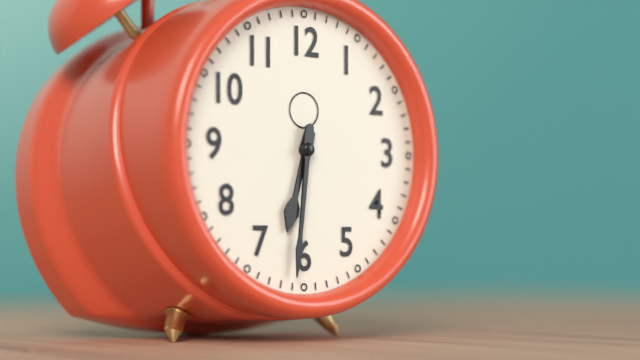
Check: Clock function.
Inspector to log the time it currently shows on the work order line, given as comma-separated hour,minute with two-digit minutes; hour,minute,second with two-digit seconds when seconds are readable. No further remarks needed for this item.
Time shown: 6,31
